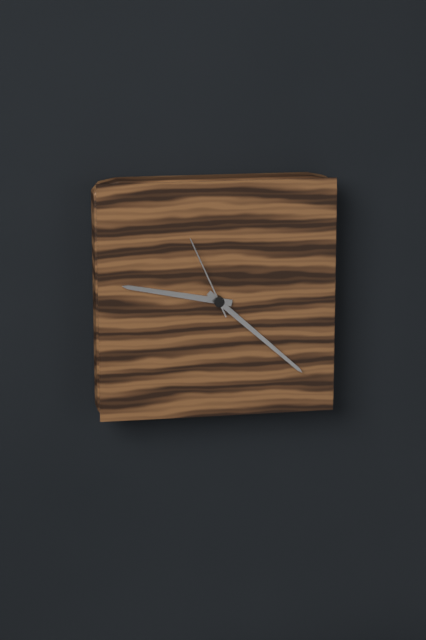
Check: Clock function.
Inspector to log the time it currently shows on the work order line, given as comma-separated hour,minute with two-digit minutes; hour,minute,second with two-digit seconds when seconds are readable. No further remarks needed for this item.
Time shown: 9,22,56
